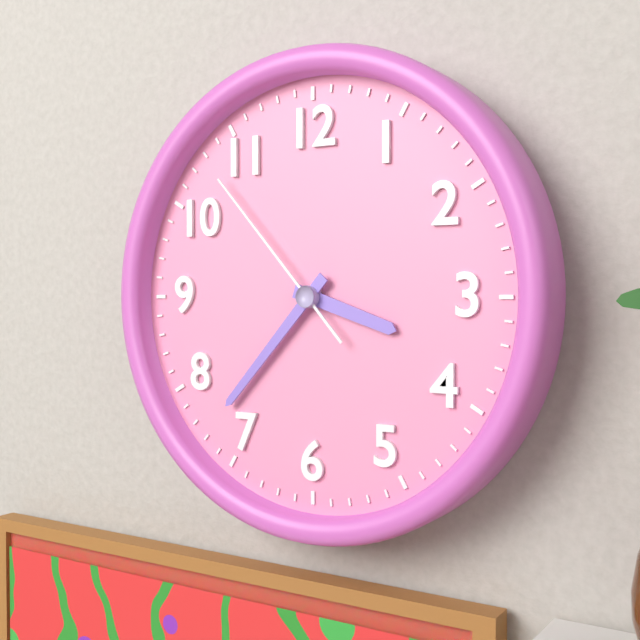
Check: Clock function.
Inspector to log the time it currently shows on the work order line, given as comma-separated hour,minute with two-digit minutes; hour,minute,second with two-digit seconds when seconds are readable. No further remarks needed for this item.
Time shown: 3,37,53
